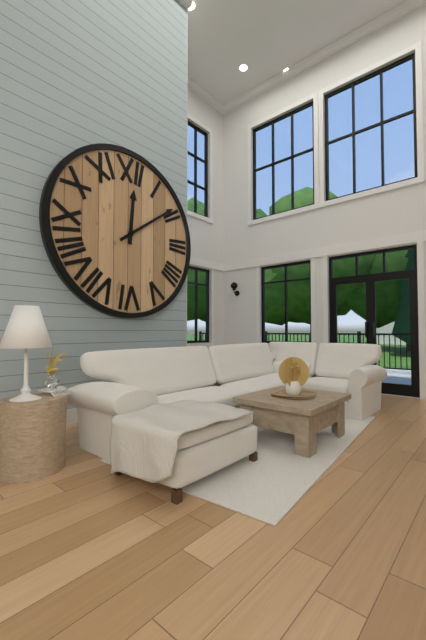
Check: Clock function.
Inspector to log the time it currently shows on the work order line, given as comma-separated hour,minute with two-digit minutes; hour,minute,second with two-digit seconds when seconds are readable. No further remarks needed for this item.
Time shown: 12,09
